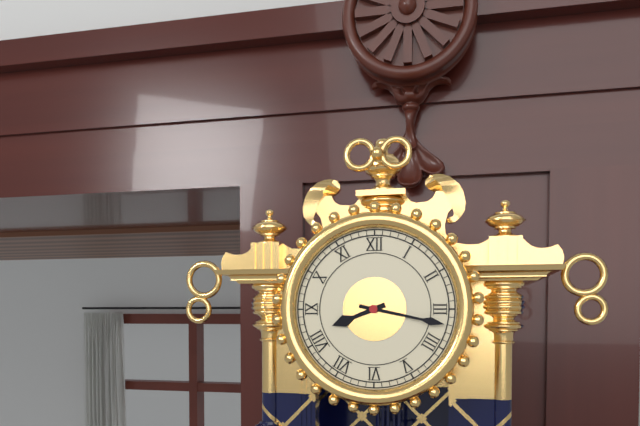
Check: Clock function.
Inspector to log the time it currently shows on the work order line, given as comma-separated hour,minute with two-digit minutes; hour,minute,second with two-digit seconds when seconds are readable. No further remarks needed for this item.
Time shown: 8,17
